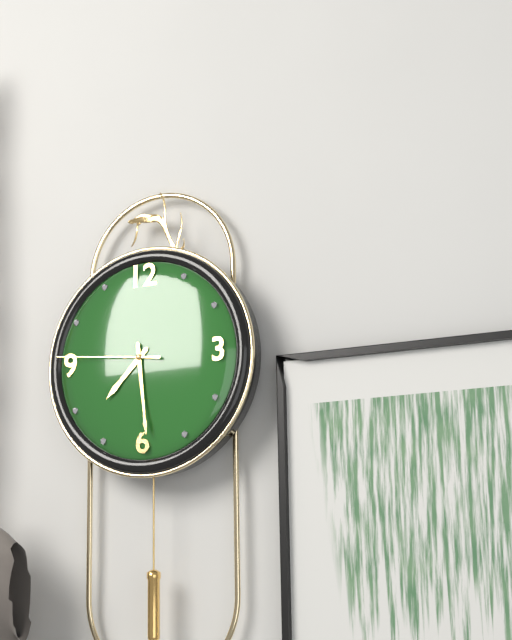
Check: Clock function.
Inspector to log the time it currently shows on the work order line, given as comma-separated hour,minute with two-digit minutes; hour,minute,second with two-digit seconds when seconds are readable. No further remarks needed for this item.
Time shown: 7,29,46
